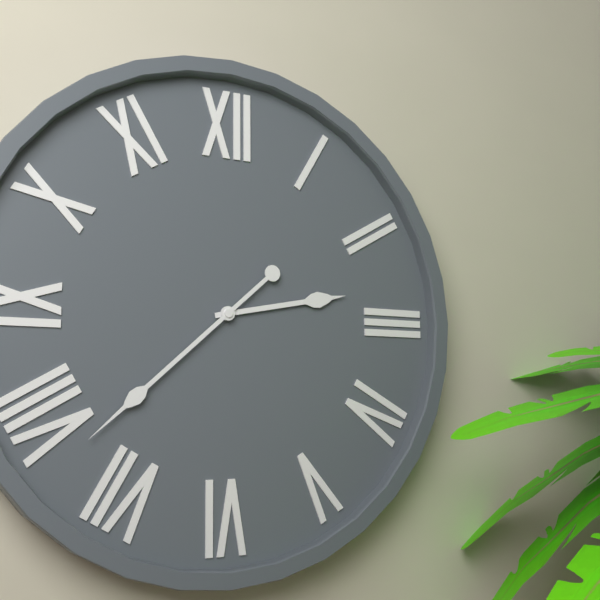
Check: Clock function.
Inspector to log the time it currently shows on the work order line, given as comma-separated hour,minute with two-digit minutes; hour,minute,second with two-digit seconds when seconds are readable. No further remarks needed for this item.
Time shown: 2,38
